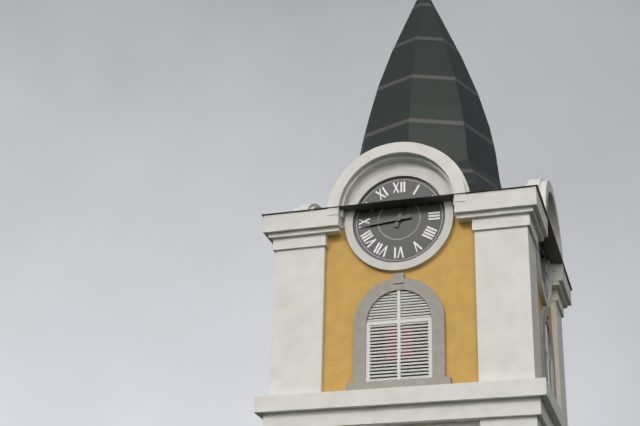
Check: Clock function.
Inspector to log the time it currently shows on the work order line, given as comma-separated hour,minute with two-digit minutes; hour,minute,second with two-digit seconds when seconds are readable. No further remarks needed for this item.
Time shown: 12,44
